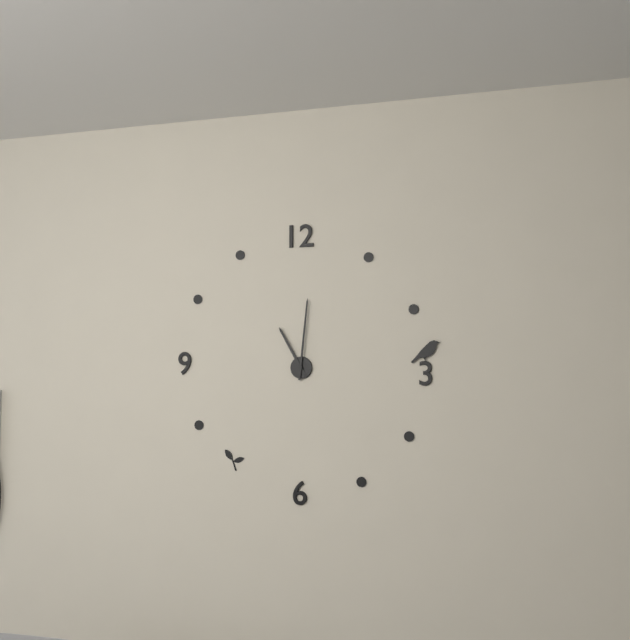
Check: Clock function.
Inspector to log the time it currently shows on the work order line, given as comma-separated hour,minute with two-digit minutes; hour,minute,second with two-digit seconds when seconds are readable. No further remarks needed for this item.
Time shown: 11,01
